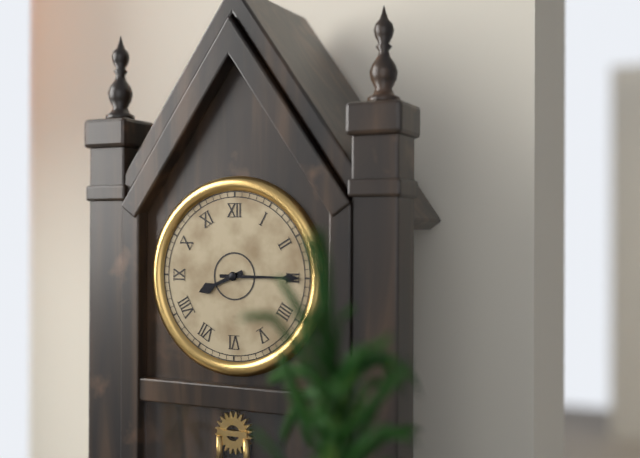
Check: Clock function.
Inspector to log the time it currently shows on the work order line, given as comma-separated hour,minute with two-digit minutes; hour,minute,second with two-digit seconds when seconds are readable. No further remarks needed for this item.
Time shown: 8,15
